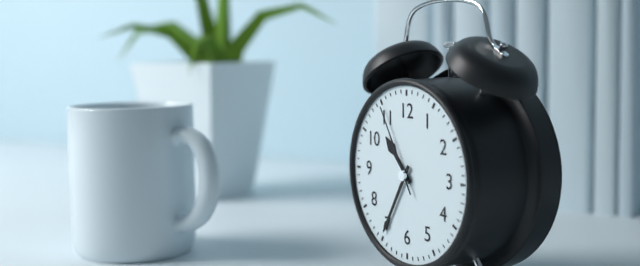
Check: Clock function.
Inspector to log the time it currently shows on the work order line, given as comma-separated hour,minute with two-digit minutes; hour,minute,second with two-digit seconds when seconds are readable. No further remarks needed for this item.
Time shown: 10,35,55
